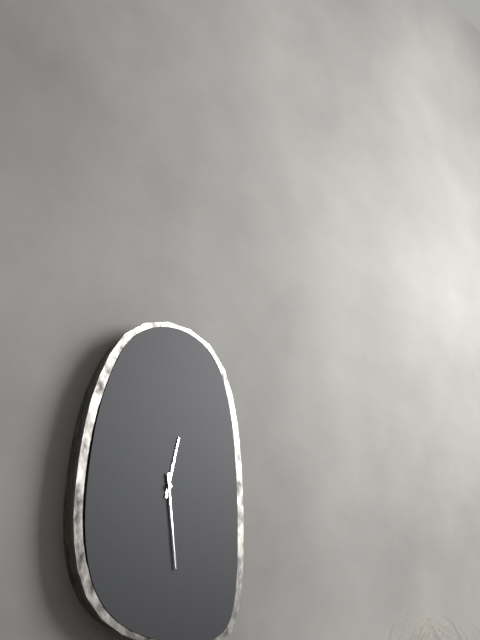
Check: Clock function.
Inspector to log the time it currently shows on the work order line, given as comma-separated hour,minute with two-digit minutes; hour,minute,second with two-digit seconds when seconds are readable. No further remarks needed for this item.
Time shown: 12,29
